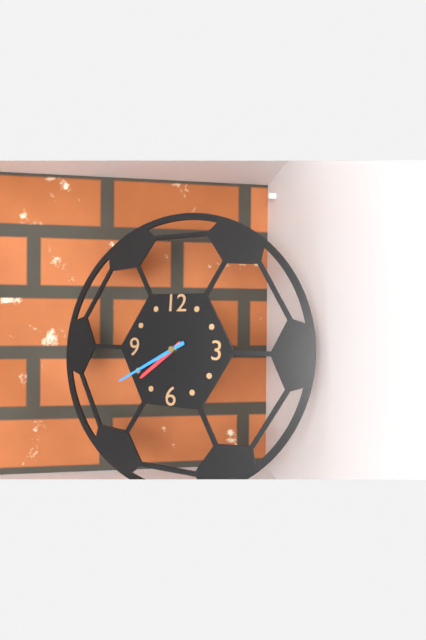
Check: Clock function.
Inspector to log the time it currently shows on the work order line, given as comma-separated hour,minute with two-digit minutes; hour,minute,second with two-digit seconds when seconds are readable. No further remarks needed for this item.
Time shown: 7,40
